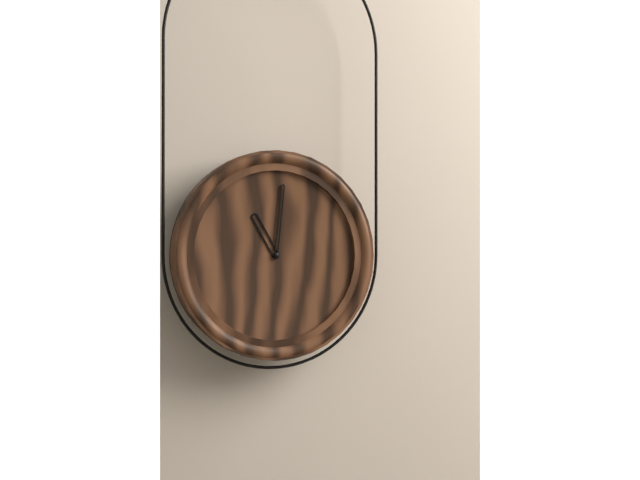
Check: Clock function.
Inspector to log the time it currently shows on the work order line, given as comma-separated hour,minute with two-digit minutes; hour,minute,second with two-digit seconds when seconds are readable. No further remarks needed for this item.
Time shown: 11,01
